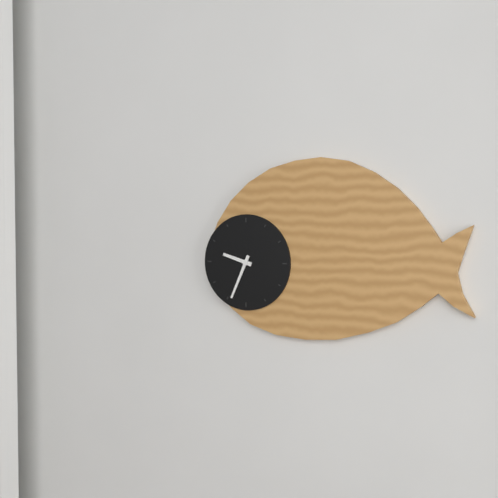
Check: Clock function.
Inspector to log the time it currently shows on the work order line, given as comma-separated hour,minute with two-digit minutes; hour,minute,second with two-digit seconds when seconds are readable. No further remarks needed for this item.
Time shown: 9,34
